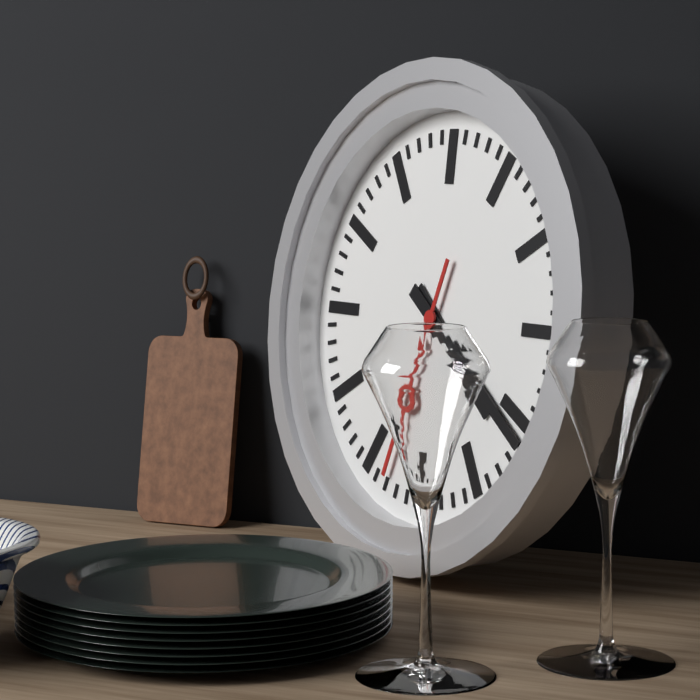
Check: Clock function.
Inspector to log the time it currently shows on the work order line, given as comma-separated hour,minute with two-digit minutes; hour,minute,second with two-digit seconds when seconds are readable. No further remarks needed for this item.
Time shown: 4,21,33
